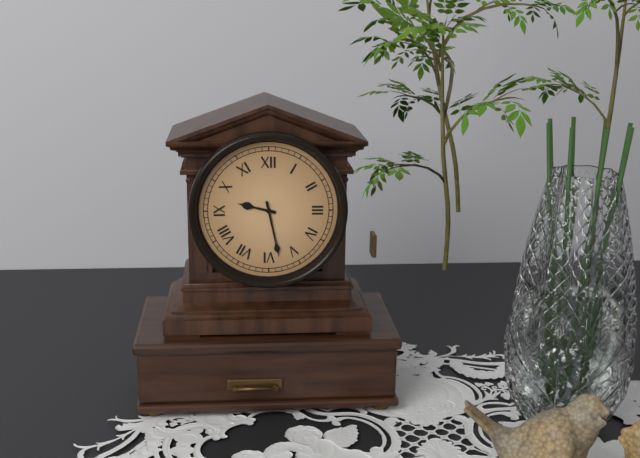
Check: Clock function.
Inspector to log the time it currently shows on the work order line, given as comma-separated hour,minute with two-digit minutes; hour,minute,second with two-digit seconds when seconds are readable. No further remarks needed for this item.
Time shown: 9,28
